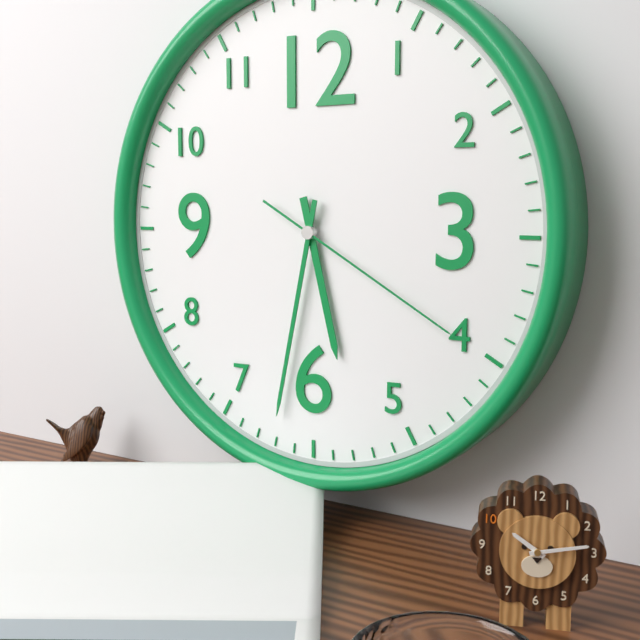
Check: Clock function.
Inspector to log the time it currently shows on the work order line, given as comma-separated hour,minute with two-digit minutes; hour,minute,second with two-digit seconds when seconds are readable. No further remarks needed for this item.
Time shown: 5,32,20
